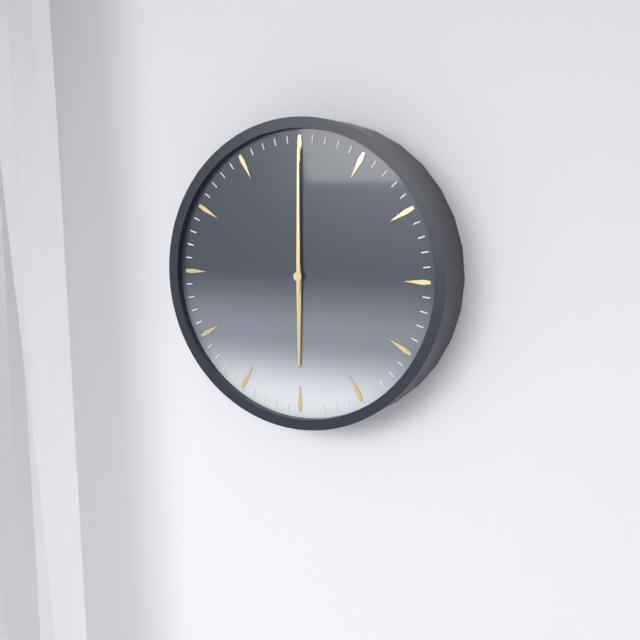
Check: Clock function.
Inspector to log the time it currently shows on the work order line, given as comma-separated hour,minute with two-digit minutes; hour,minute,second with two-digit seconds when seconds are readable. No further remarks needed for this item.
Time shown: 6,00
